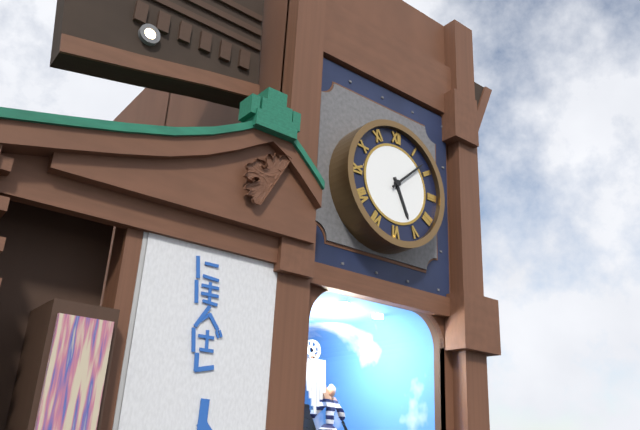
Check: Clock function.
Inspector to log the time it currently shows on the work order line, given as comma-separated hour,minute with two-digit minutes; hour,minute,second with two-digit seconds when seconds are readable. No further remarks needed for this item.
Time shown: 5,08
